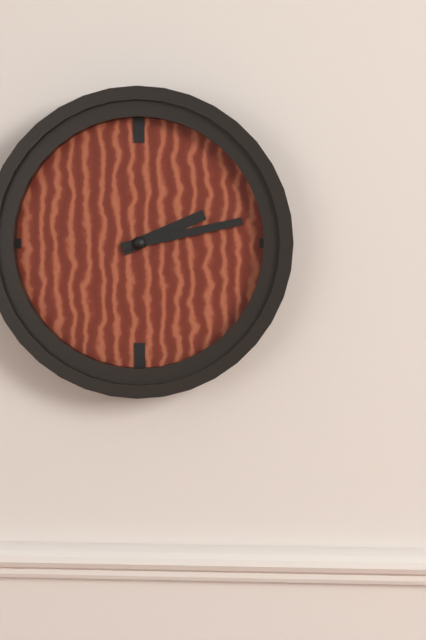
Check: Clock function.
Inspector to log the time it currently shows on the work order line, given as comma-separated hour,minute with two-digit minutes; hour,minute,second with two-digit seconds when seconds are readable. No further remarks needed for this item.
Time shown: 2,13
